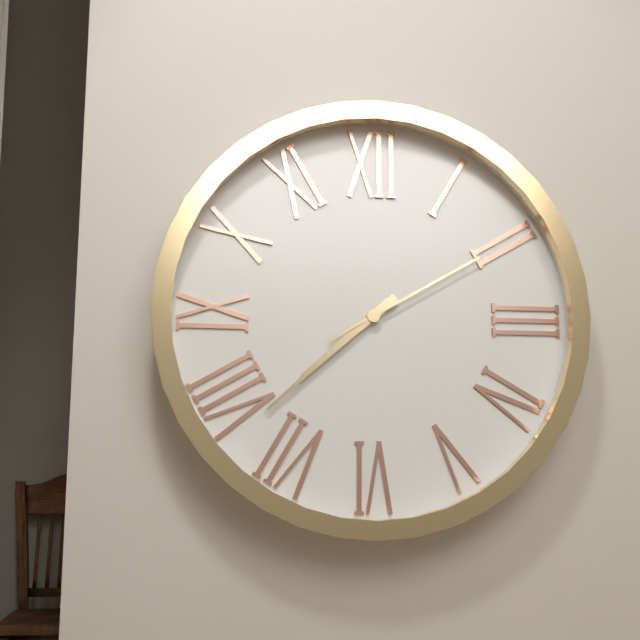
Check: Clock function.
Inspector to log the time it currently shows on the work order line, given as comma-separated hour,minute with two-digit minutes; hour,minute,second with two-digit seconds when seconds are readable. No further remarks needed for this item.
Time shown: 7,38,10
